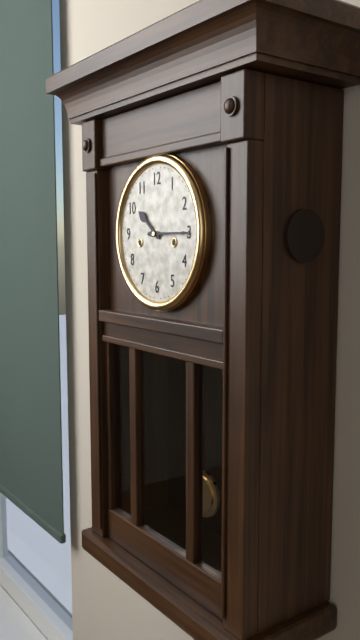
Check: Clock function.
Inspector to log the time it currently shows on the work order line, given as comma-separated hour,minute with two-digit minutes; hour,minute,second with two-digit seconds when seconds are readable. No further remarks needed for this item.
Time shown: 10,15
